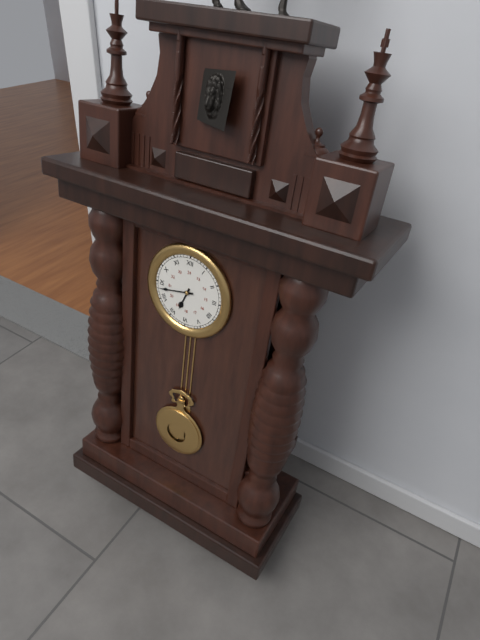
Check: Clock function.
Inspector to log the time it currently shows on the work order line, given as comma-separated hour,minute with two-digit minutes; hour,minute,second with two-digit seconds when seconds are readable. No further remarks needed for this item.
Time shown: 6,43
